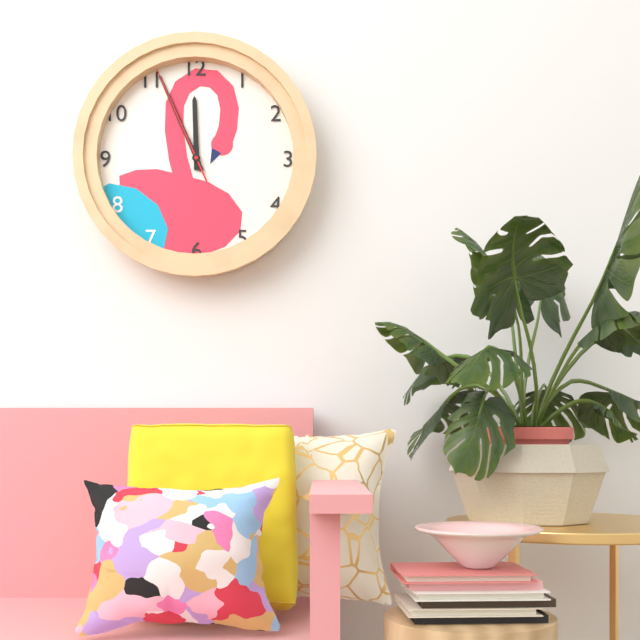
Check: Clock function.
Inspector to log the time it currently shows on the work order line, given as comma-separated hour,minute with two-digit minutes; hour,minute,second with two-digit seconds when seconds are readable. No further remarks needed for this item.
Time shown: 11,56,56
